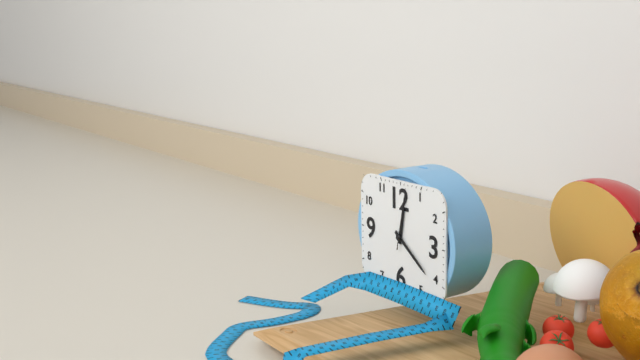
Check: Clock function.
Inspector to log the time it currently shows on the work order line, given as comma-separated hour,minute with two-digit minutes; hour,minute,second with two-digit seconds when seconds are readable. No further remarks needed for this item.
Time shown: 12,21,02
